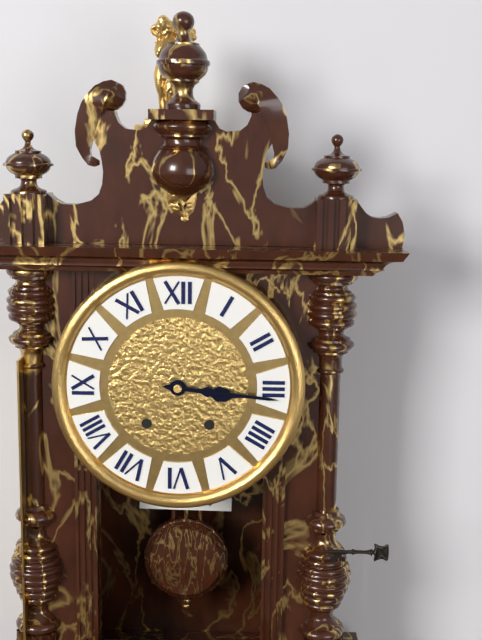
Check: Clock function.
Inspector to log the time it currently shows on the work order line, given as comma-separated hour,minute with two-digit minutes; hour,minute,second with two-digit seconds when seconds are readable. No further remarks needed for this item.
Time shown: 3,16
